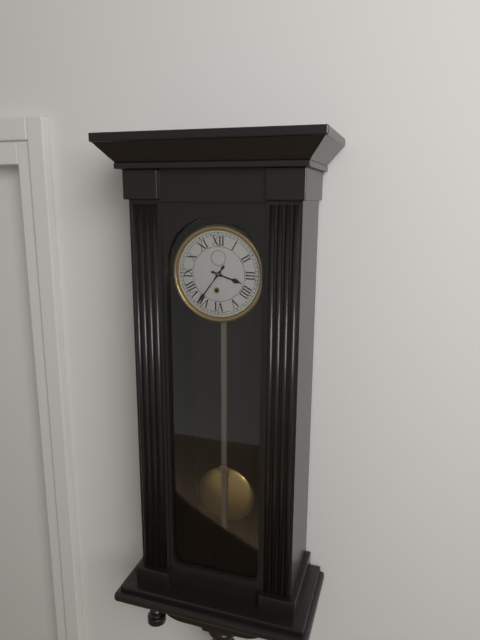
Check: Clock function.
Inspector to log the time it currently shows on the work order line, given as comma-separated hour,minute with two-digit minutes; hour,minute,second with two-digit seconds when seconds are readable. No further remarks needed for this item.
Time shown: 3,36
